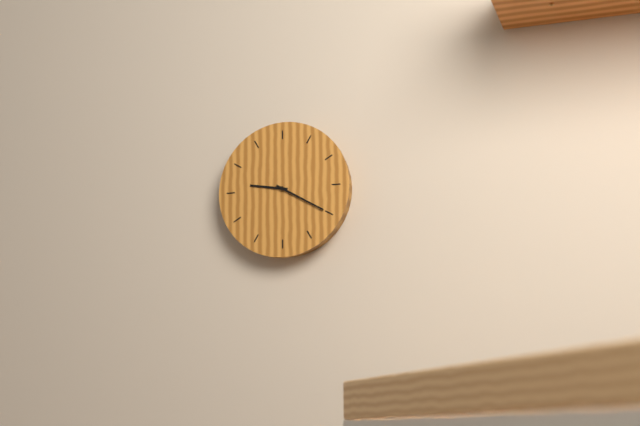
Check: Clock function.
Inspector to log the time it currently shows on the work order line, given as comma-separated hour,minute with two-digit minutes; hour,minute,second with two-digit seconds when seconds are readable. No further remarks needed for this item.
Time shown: 9,20
